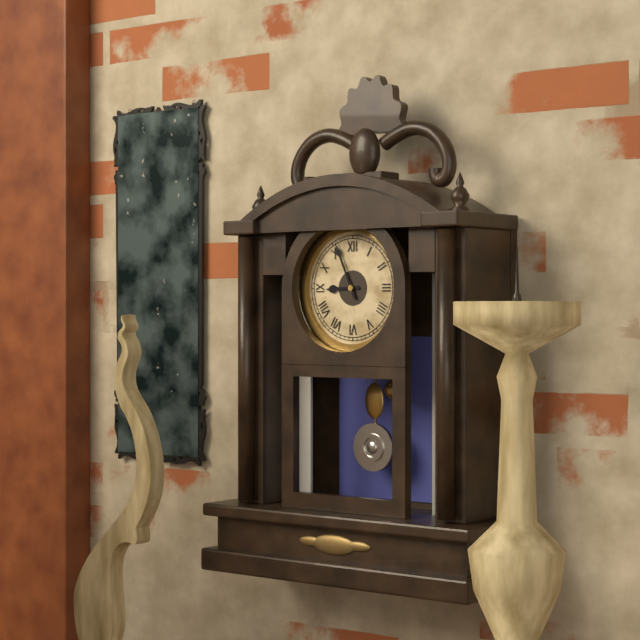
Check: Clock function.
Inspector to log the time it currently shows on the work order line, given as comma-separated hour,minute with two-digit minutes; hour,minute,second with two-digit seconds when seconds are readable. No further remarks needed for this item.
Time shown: 8,56
